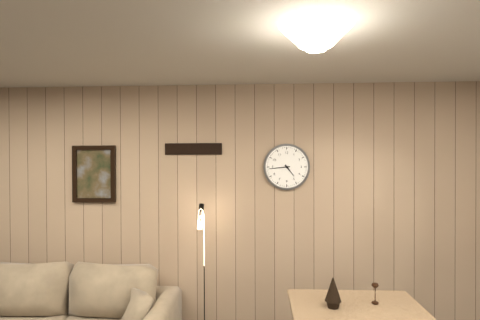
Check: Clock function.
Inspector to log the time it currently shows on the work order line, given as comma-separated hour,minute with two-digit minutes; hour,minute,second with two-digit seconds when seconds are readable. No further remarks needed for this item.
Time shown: 4,44
